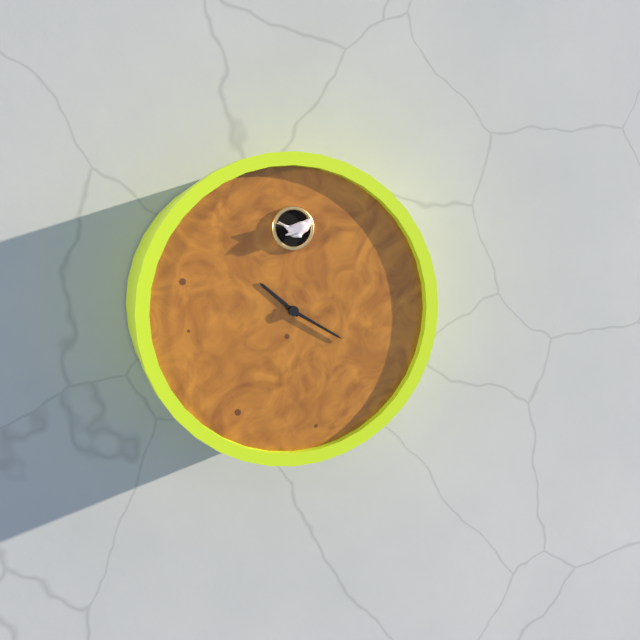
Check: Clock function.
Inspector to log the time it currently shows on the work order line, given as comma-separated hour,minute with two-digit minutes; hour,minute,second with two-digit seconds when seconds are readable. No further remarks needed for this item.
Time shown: 10,20
